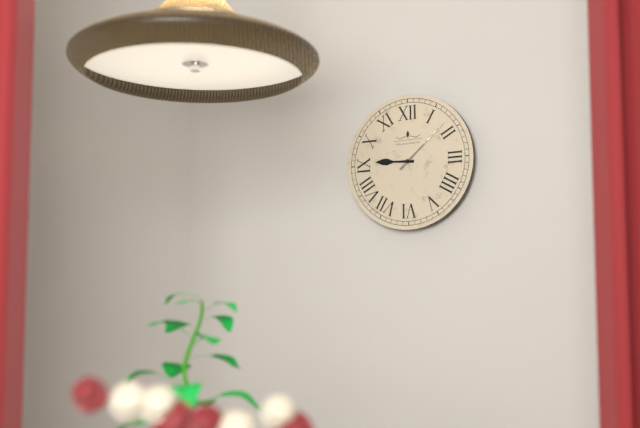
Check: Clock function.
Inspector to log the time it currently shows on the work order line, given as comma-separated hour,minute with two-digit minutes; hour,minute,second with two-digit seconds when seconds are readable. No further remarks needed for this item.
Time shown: 9,08
